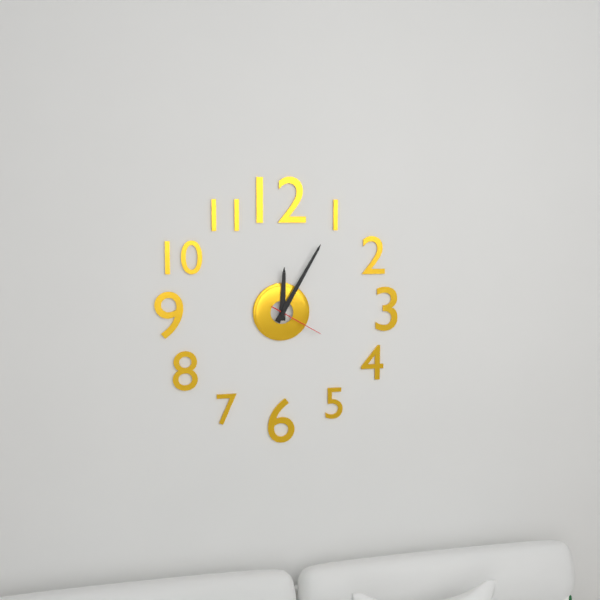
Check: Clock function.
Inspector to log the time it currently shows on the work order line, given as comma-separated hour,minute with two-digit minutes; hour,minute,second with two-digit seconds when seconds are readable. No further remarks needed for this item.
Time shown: 12,05,20
